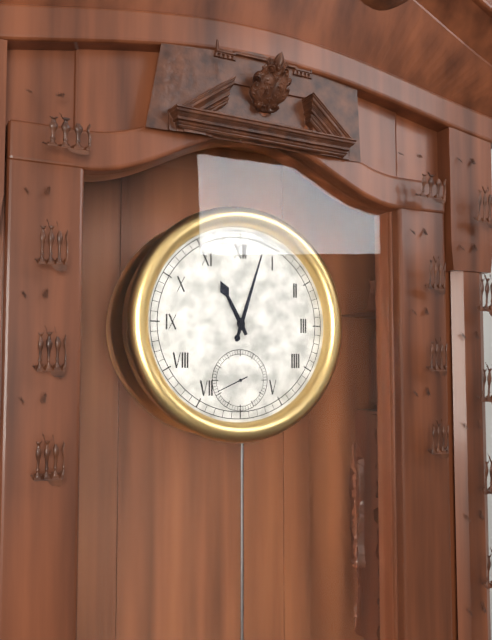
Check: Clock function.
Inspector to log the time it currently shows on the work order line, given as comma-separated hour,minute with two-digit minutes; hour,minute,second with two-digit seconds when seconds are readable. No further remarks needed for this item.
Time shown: 11,03
